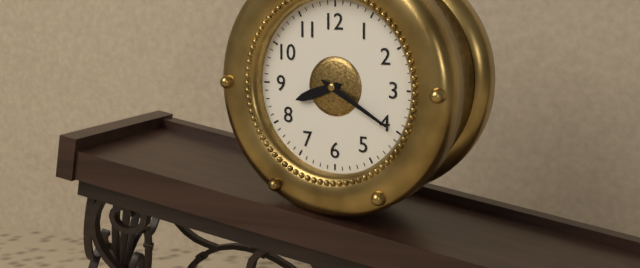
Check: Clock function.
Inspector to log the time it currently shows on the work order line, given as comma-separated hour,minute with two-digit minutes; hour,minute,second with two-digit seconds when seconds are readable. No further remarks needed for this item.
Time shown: 8,20
